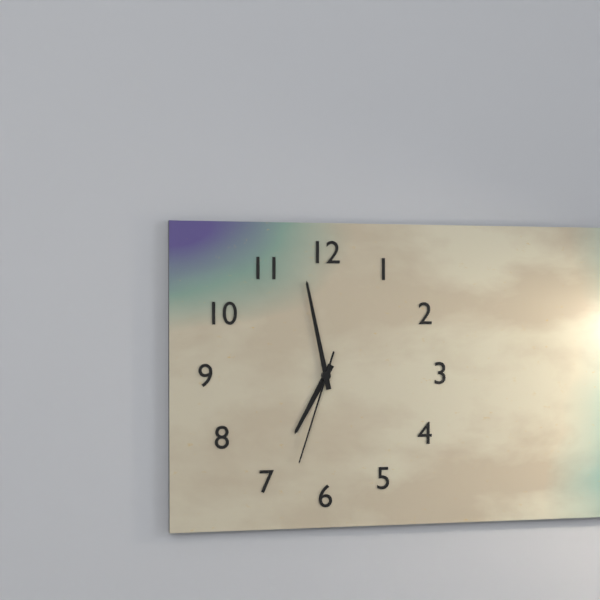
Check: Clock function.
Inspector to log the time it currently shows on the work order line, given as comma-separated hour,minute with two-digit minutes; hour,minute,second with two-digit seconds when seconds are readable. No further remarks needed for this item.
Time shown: 6,58,33
